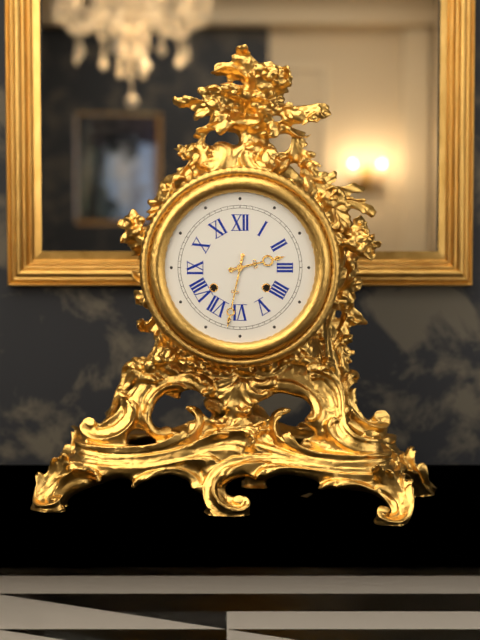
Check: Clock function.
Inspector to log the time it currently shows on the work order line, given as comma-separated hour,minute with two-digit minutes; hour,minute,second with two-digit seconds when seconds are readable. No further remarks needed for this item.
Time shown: 2,32
